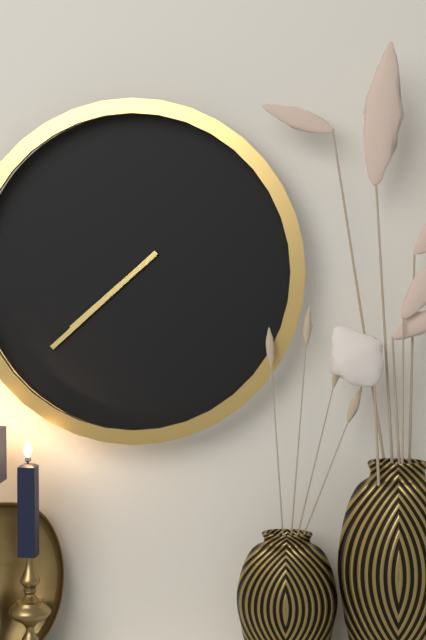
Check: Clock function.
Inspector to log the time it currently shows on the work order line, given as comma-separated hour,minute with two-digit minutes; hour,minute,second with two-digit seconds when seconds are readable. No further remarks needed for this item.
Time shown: 7,38
